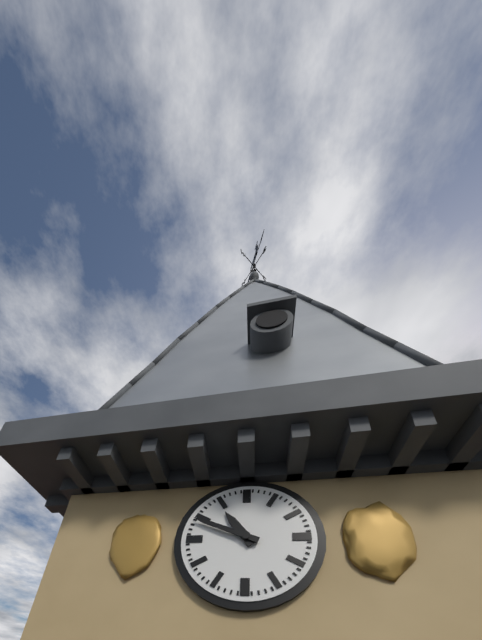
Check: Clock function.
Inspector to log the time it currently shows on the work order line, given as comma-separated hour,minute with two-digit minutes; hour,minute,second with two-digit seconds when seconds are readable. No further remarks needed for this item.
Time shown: 10,49
